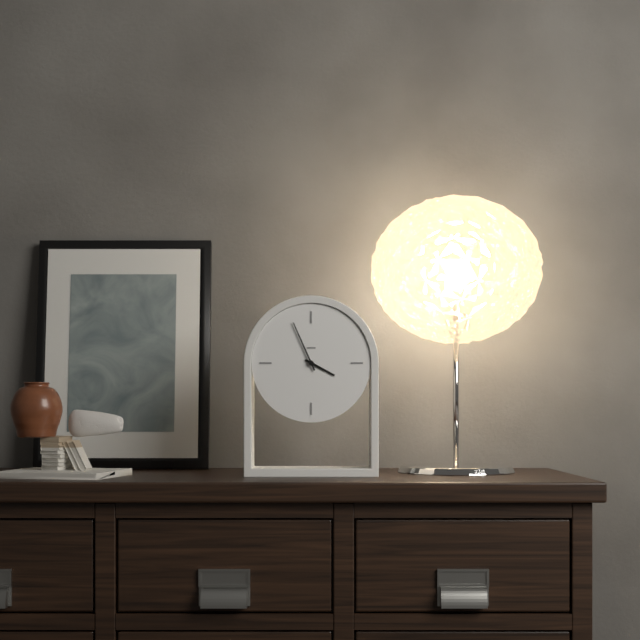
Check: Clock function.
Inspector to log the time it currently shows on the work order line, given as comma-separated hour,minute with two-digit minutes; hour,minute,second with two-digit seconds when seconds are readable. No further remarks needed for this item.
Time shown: 3,56
